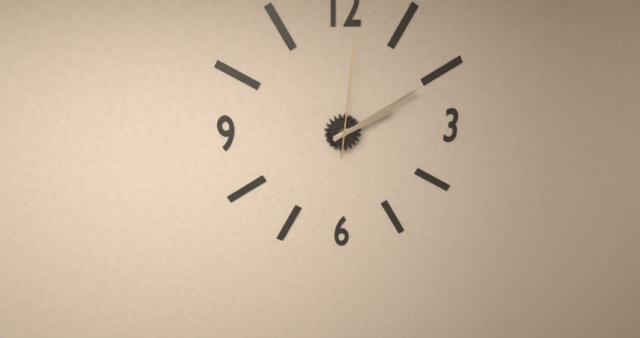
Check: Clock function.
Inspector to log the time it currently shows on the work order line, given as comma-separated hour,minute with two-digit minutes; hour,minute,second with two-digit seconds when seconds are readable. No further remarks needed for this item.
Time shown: 2,10,01
